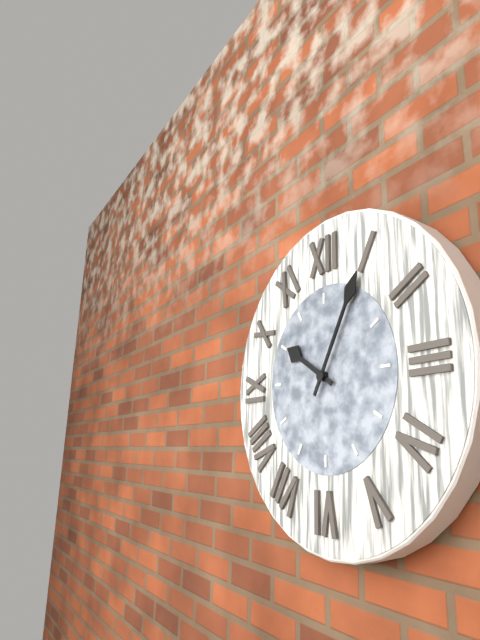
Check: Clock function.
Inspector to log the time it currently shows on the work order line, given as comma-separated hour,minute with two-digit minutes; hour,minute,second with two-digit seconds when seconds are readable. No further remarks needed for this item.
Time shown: 10,05
